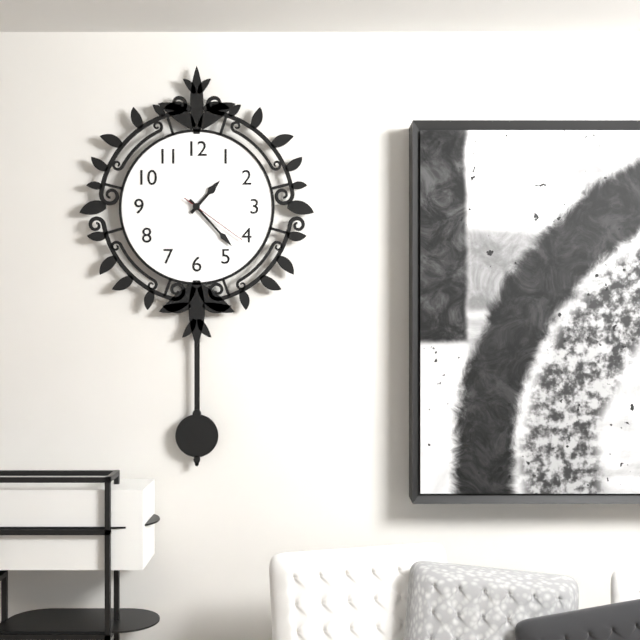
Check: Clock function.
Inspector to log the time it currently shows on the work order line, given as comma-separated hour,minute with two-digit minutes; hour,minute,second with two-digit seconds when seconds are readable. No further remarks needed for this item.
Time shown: 1,23,21
